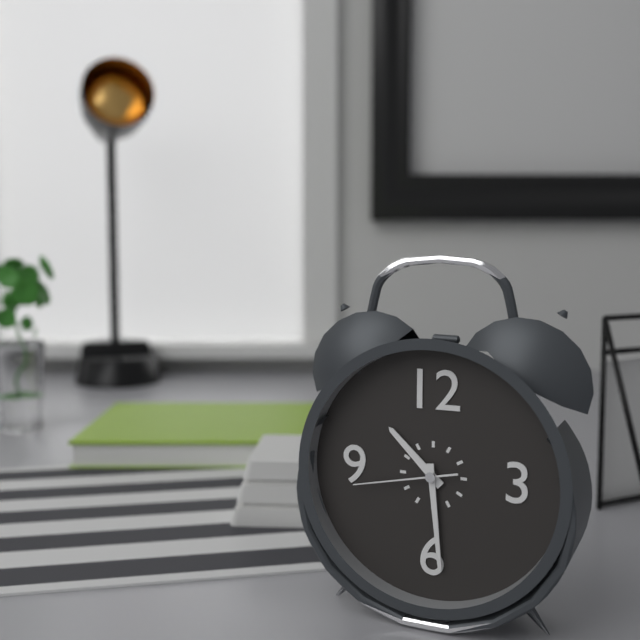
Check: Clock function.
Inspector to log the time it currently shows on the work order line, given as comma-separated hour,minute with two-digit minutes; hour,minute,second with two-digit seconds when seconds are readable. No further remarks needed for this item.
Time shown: 10,29,43
